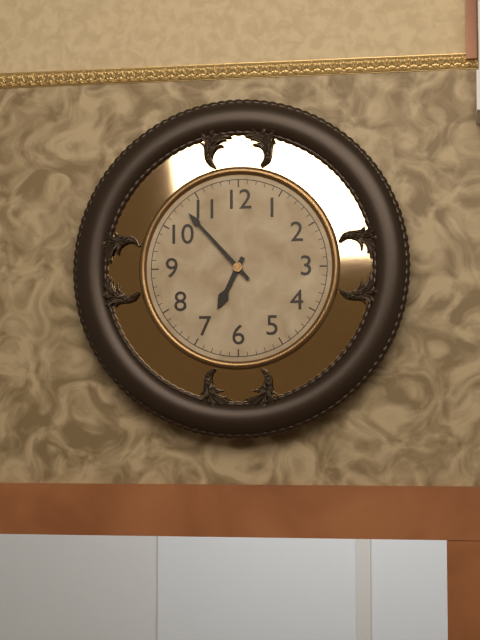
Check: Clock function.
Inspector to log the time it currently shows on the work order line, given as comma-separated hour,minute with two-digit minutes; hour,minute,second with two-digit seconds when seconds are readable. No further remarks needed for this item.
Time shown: 6,53
